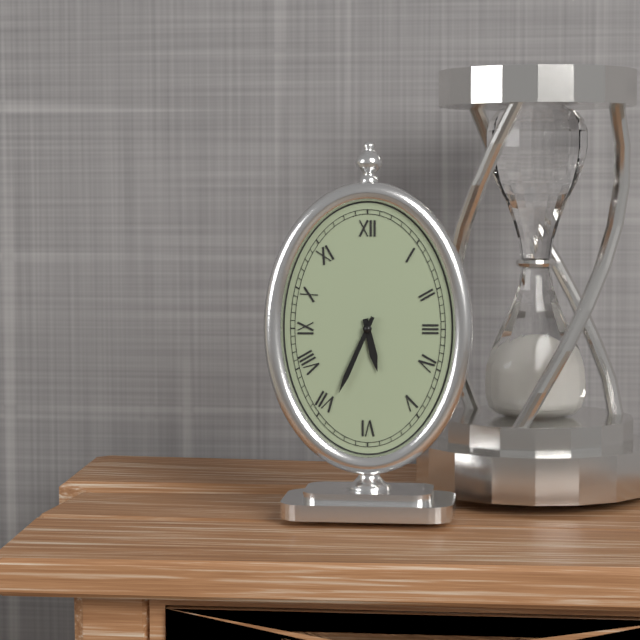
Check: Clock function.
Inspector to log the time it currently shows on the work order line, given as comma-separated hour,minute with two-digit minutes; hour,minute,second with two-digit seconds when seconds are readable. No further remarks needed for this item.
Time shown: 5,34
